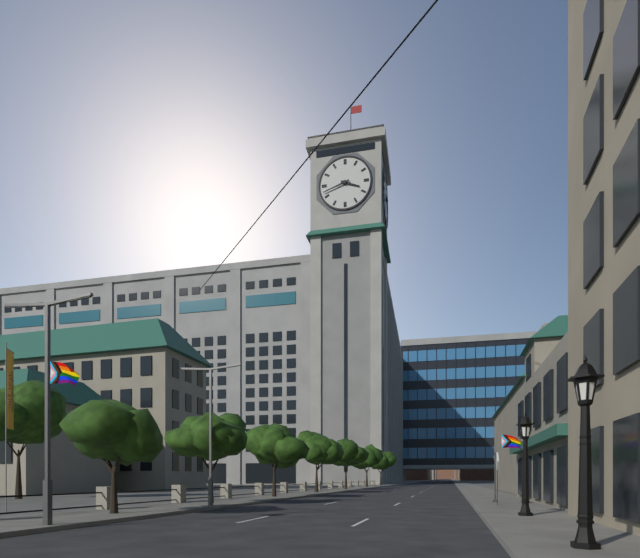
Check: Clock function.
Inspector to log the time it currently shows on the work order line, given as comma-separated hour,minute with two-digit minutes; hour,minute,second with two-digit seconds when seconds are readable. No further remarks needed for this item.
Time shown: 3,42
